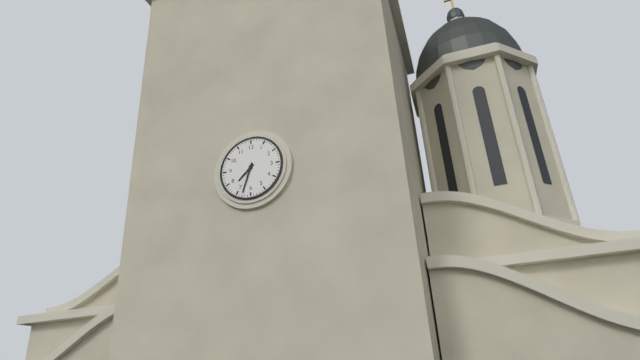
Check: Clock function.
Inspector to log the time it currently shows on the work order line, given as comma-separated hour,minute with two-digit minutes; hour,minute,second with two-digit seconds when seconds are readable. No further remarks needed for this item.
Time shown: 7,33
